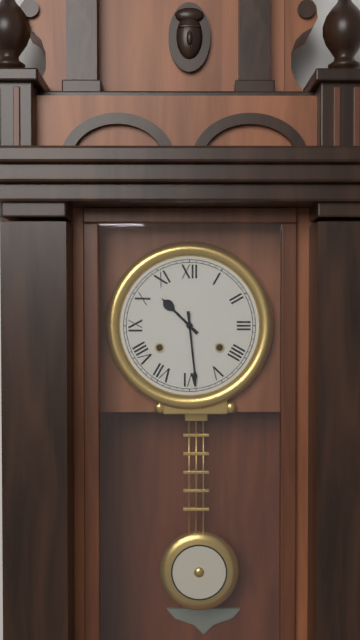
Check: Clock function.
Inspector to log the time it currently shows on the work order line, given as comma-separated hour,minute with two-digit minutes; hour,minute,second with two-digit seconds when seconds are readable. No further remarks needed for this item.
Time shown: 10,29
